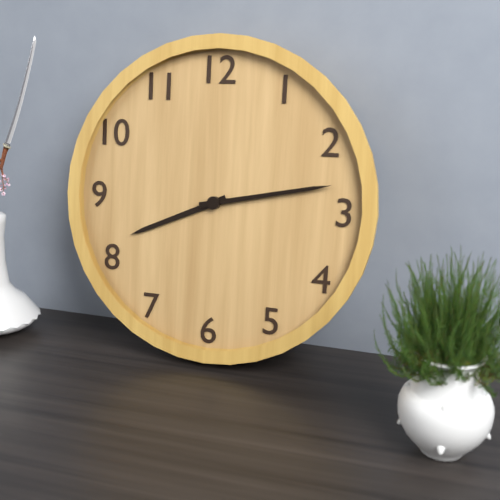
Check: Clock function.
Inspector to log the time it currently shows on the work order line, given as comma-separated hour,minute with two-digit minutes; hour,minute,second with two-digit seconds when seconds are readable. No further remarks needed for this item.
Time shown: 8,13
